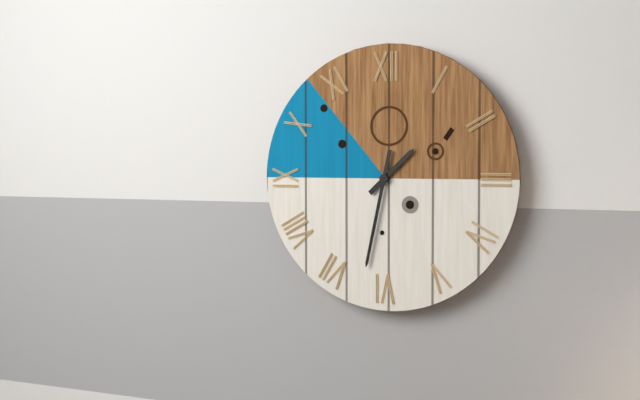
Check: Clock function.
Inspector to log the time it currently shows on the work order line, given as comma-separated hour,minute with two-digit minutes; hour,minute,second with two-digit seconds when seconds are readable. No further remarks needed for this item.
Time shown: 1,32
